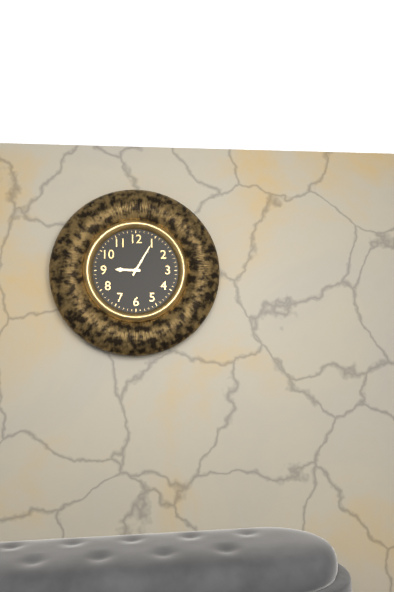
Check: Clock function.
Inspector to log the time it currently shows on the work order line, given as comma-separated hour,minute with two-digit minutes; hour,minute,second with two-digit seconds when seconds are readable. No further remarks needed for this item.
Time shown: 9,05
